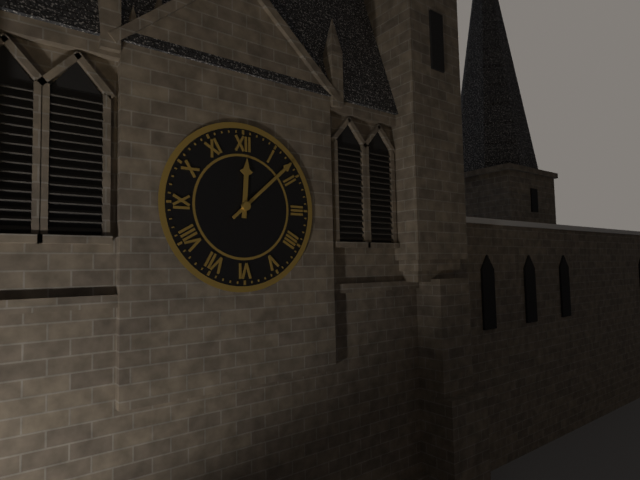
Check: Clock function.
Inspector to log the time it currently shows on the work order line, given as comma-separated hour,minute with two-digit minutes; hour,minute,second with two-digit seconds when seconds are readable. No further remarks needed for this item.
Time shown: 12,08
